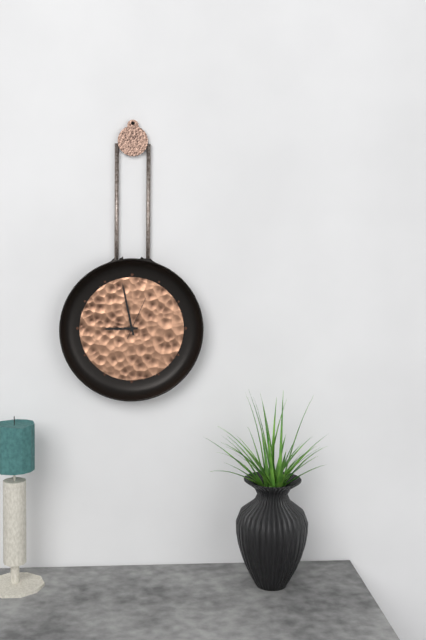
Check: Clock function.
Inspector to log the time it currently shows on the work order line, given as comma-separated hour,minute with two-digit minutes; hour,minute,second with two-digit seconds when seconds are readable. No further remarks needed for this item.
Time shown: 8,58
